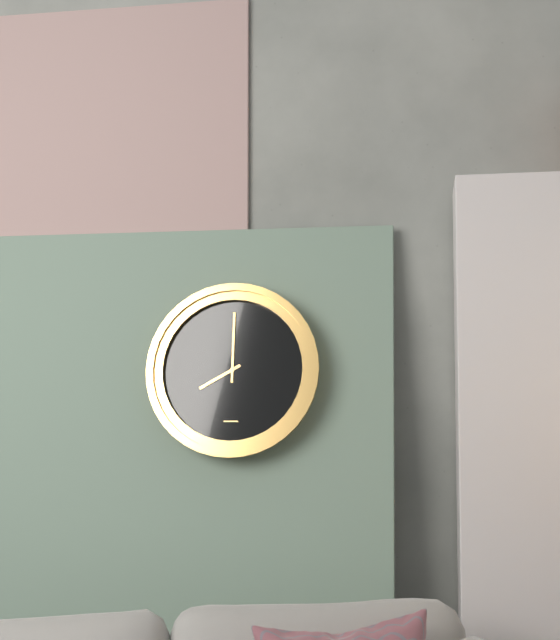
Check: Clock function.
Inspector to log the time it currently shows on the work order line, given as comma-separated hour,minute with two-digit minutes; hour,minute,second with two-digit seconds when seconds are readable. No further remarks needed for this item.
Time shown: 8,00
